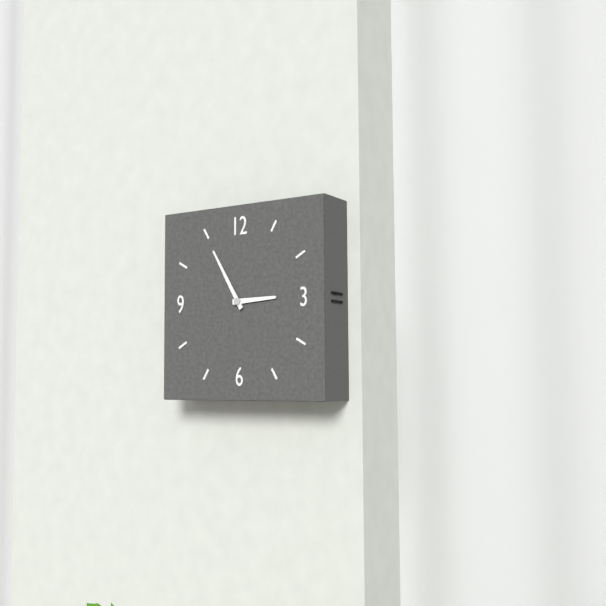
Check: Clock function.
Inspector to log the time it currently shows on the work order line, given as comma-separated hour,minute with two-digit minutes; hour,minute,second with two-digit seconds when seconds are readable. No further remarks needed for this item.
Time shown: 2,55
